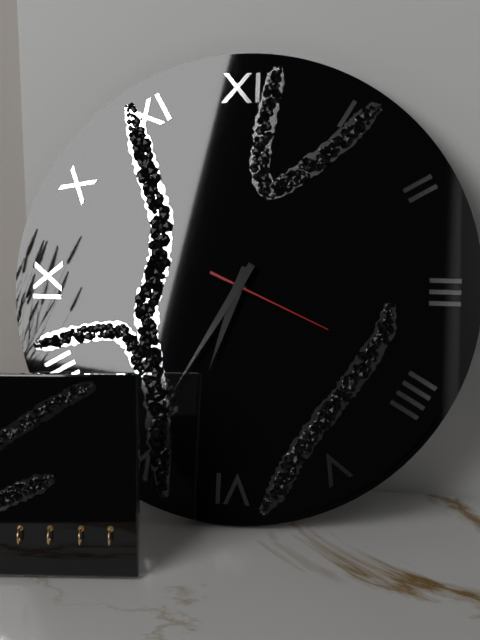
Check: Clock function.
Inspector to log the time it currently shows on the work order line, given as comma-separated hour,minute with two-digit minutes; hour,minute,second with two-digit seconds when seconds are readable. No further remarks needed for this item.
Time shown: 6,35,19
